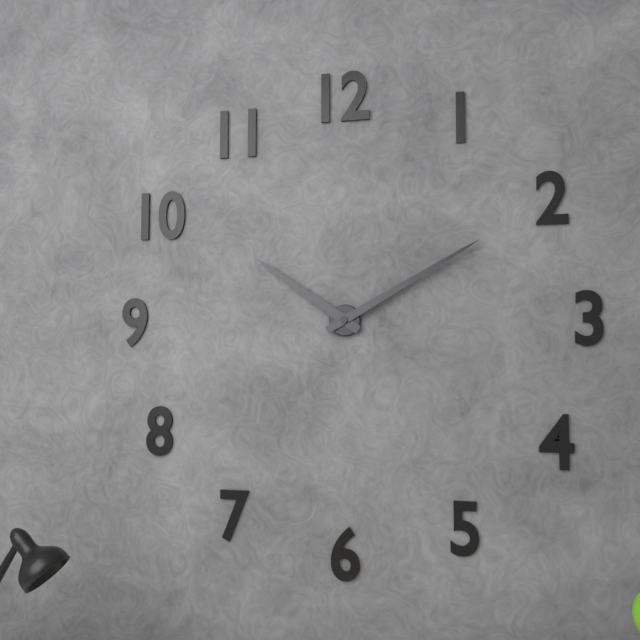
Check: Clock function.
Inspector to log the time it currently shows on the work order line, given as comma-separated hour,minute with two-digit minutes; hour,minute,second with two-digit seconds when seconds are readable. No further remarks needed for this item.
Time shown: 10,10
